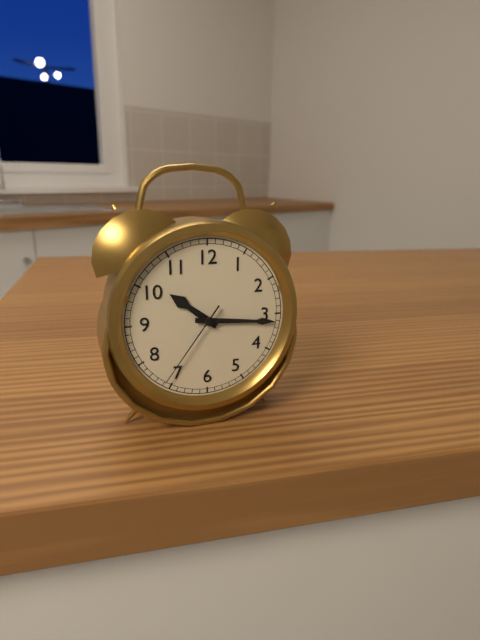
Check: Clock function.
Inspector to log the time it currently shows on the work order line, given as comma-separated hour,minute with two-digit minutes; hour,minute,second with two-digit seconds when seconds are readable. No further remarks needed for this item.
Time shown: 10,16,36
